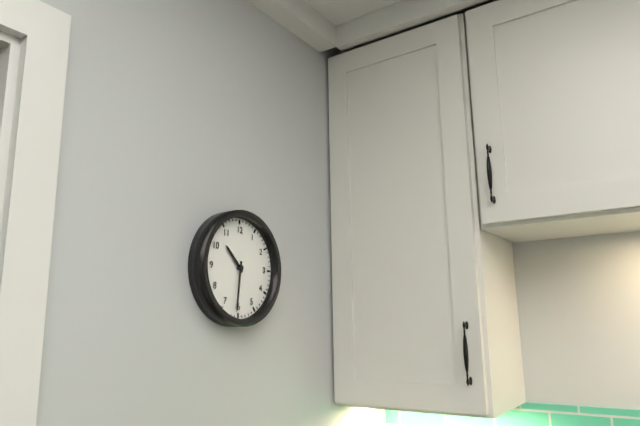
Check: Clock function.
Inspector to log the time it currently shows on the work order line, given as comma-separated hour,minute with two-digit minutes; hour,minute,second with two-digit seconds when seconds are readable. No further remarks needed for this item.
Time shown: 10,31
